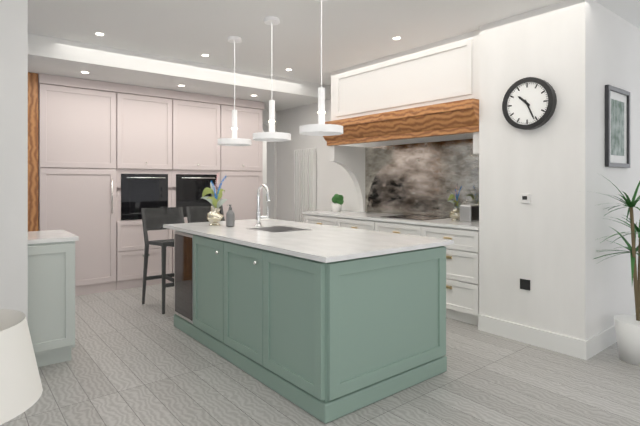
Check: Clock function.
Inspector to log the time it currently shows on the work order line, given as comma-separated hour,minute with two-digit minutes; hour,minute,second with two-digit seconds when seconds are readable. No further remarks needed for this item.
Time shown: 10,26
